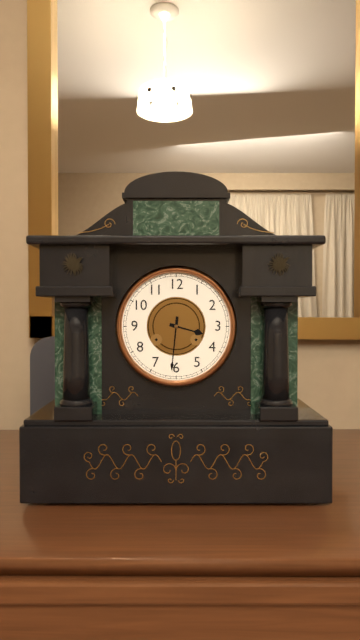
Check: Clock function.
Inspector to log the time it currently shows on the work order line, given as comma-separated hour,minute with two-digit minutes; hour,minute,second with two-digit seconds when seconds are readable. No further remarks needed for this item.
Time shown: 3,31
